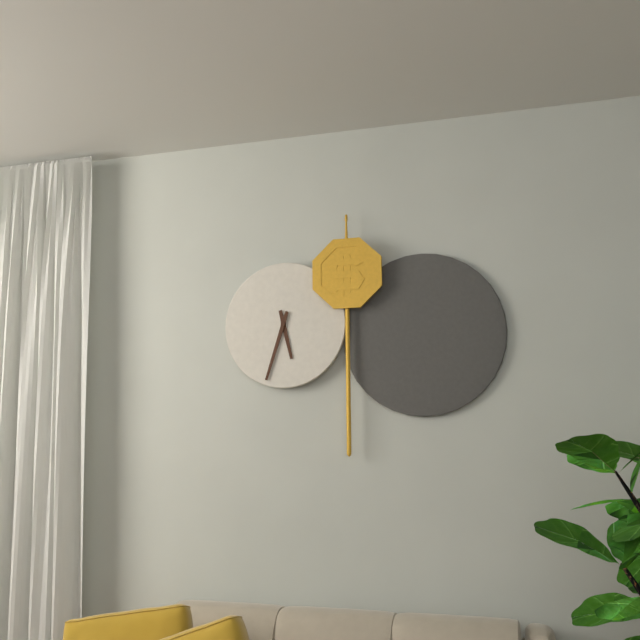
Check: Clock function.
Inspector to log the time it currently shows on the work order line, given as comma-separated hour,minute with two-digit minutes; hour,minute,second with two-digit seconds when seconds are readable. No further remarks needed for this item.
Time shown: 5,33
